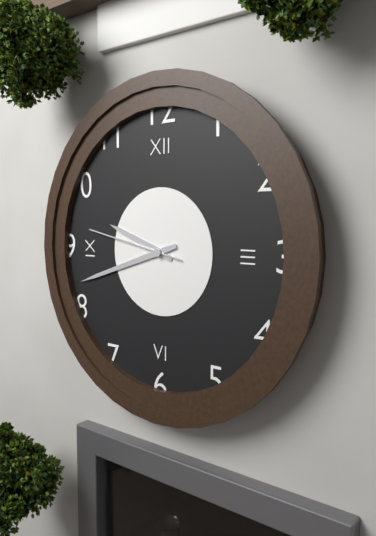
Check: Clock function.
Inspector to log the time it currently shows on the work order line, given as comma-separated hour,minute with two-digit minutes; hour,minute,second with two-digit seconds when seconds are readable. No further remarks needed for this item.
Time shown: 9,42,47
